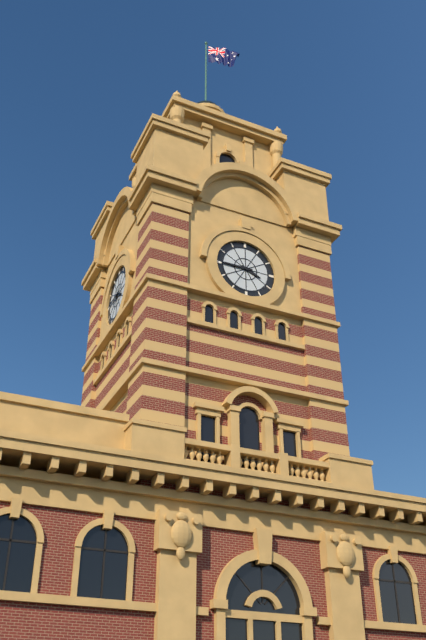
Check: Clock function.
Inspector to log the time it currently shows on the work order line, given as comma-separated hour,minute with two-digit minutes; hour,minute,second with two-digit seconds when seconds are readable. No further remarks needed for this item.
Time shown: 3,45
